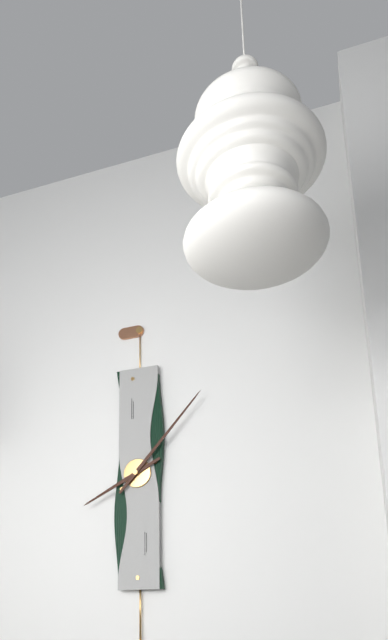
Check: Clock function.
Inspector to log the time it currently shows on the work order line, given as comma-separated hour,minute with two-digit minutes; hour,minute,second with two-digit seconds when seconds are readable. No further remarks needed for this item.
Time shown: 8,07
